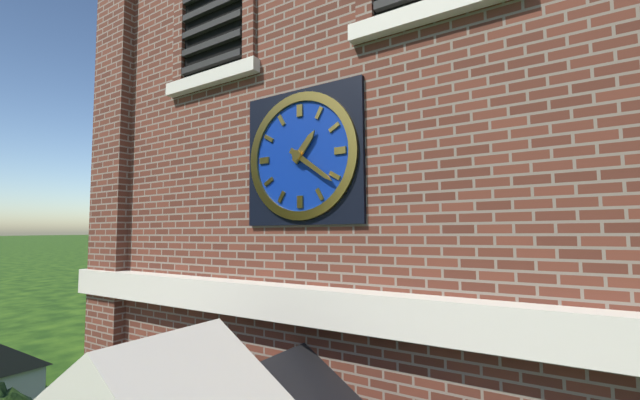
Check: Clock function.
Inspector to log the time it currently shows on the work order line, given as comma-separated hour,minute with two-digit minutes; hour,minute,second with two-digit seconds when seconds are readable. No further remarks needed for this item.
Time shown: 1,21
